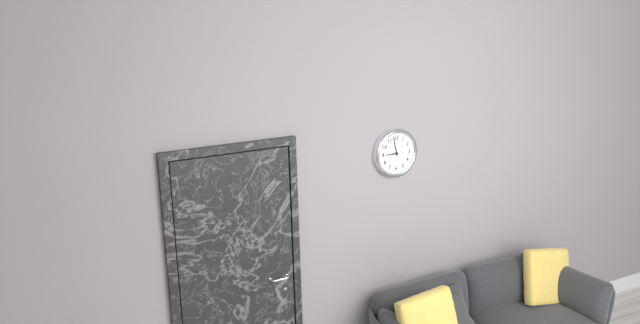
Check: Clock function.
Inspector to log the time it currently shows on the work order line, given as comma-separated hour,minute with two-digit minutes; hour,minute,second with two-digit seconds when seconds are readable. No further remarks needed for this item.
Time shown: 8,58
